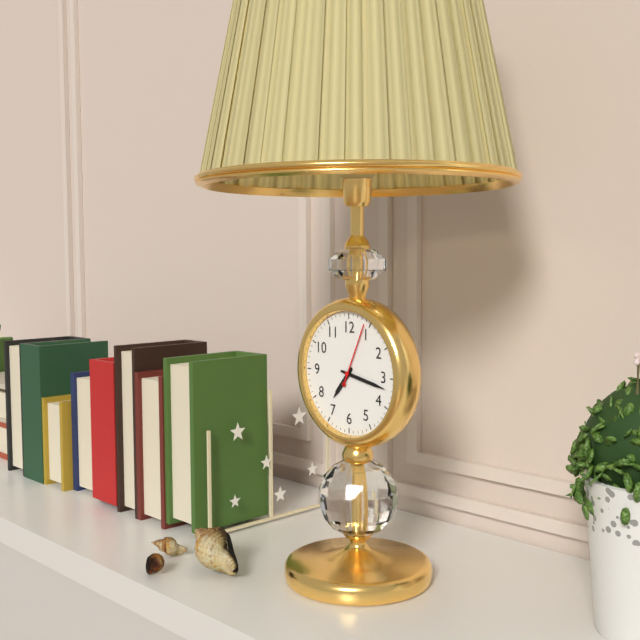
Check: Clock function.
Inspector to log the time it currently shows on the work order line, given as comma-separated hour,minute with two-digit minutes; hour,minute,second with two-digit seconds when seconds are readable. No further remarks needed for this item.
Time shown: 7,17,04
